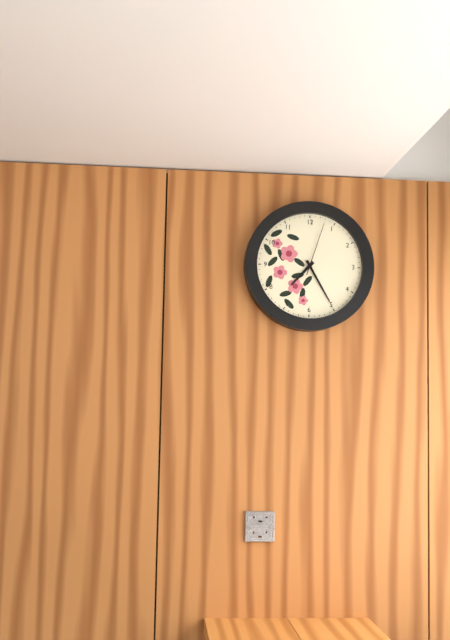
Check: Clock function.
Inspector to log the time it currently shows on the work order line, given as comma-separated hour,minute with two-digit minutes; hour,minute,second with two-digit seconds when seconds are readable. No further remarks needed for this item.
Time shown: 7,25,03
